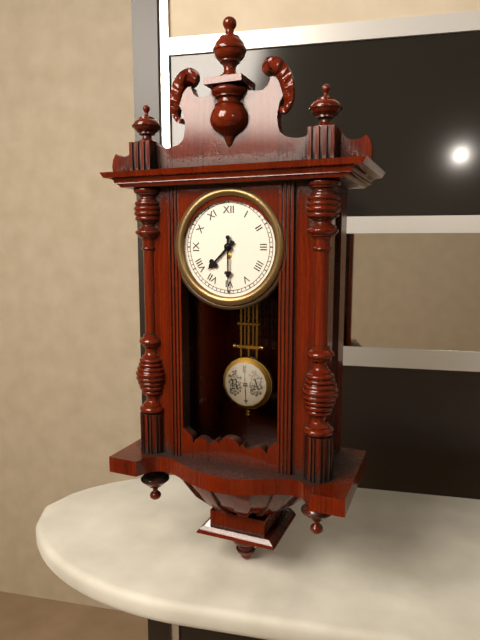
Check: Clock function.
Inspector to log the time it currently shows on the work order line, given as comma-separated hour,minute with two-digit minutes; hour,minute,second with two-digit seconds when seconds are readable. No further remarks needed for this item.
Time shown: 7,30
